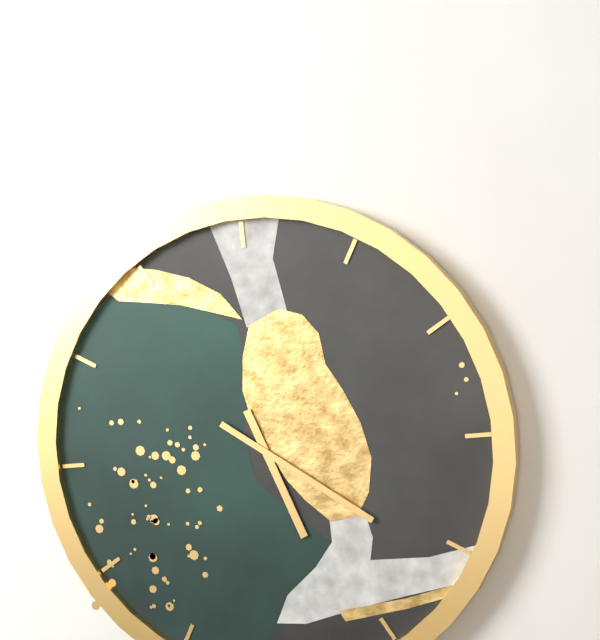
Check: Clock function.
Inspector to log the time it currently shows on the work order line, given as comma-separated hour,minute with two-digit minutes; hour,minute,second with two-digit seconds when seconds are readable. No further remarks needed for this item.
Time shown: 5,21
